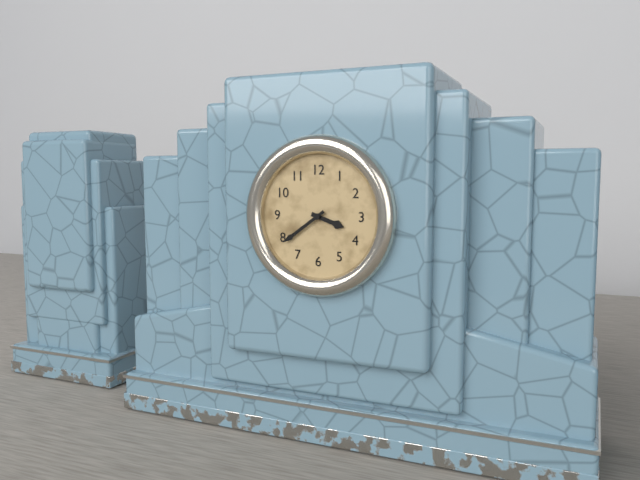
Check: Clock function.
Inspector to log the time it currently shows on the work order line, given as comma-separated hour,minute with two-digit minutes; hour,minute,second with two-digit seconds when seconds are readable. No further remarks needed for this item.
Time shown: 3,39
